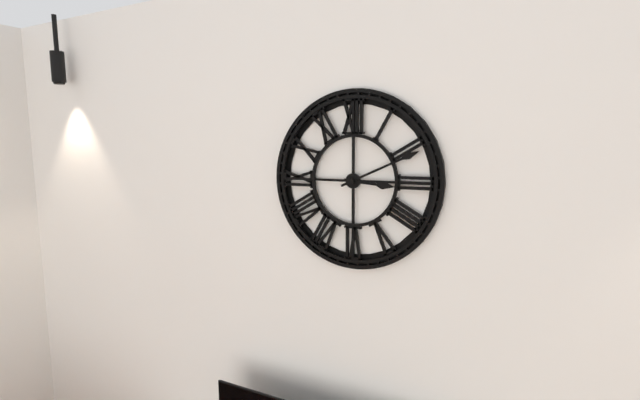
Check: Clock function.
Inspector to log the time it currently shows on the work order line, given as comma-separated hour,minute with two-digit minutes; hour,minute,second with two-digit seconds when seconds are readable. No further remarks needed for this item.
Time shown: 3,11
